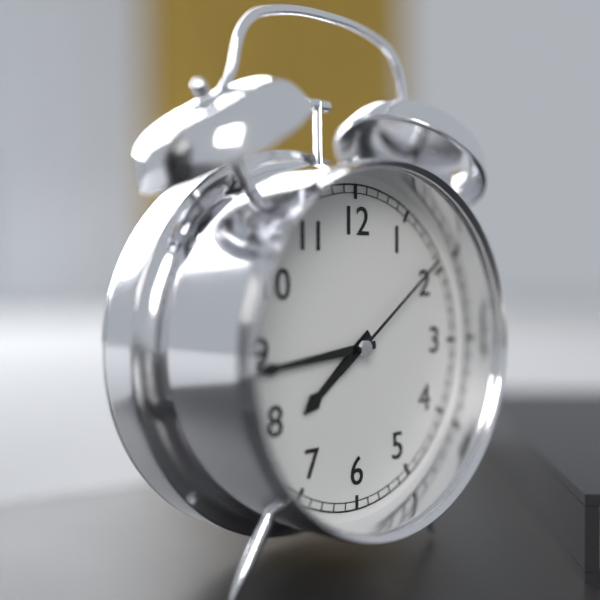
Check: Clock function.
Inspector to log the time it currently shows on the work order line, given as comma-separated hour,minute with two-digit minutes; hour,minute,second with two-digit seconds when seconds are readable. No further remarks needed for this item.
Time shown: 7,44,09
